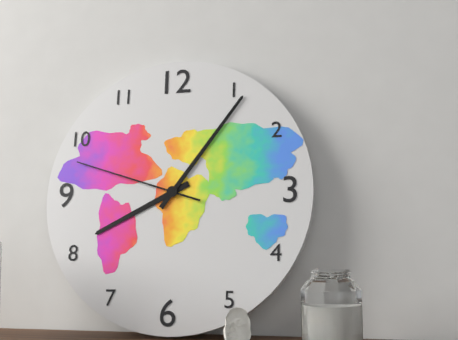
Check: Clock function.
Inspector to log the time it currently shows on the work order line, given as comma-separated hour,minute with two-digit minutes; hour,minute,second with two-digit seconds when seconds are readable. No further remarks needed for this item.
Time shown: 8,06,48
